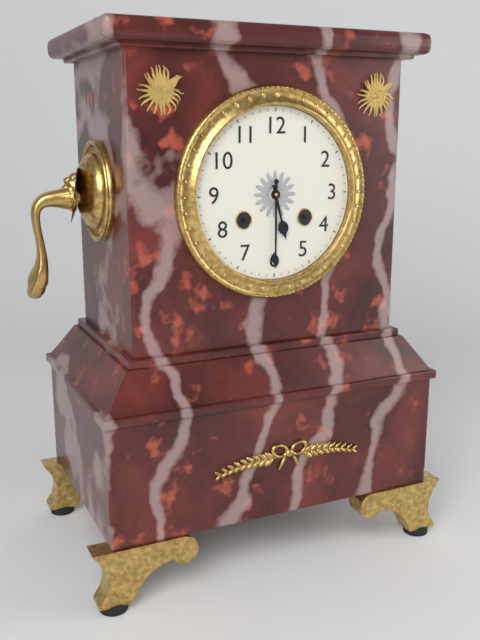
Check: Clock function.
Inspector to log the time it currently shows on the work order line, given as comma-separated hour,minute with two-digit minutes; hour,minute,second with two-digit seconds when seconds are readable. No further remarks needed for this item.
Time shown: 5,30
